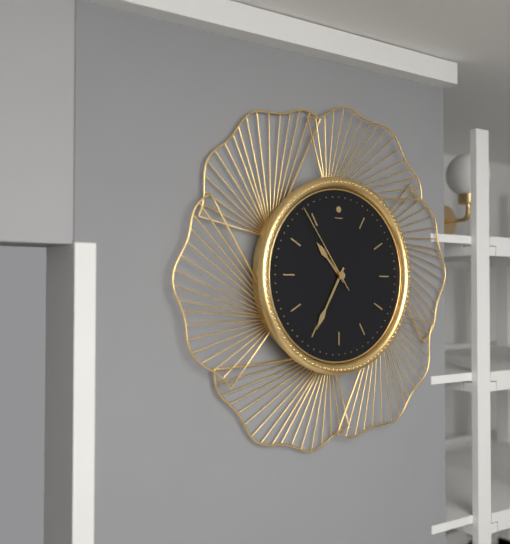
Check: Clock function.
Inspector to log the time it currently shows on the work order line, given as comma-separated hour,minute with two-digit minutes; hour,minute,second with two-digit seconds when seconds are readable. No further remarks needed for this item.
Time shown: 10,35,54
